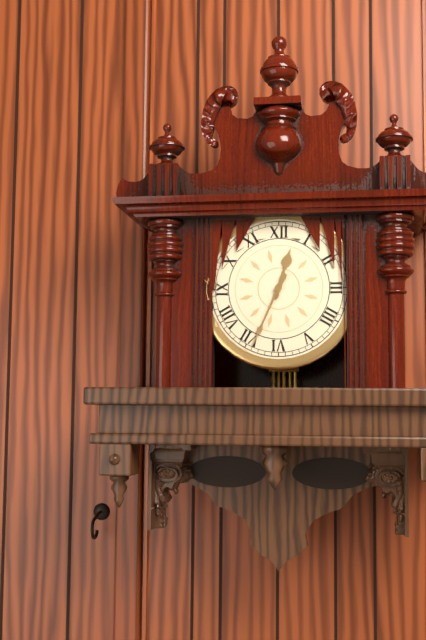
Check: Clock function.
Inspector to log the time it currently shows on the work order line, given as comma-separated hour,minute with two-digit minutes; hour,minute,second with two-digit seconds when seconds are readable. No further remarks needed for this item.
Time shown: 12,34
